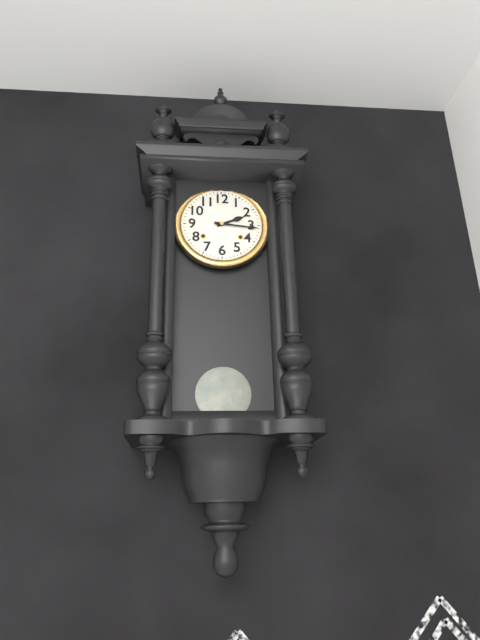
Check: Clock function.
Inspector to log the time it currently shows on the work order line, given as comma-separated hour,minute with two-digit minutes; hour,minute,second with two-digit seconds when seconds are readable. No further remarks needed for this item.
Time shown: 2,16
